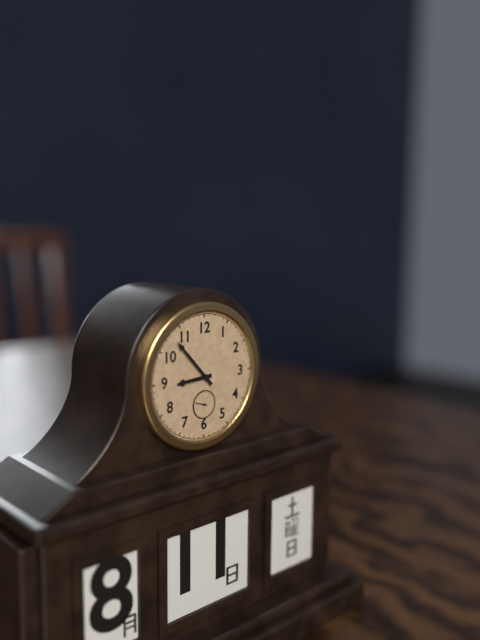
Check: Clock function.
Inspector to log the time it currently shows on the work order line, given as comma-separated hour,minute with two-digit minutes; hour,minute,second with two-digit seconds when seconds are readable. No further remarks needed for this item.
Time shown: 8,53
